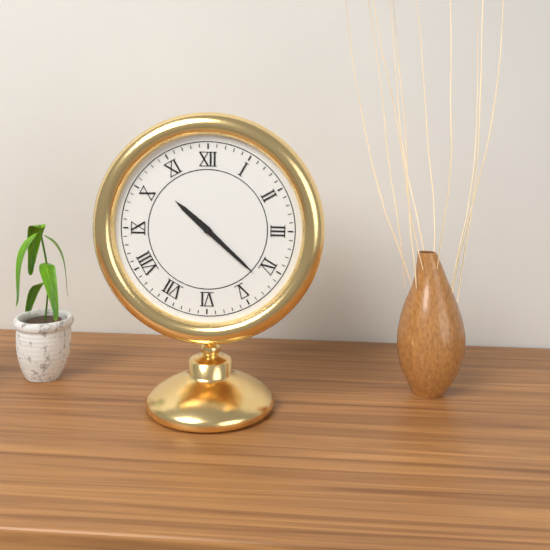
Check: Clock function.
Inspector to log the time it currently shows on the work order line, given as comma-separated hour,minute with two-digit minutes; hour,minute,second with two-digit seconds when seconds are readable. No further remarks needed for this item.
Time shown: 10,22
